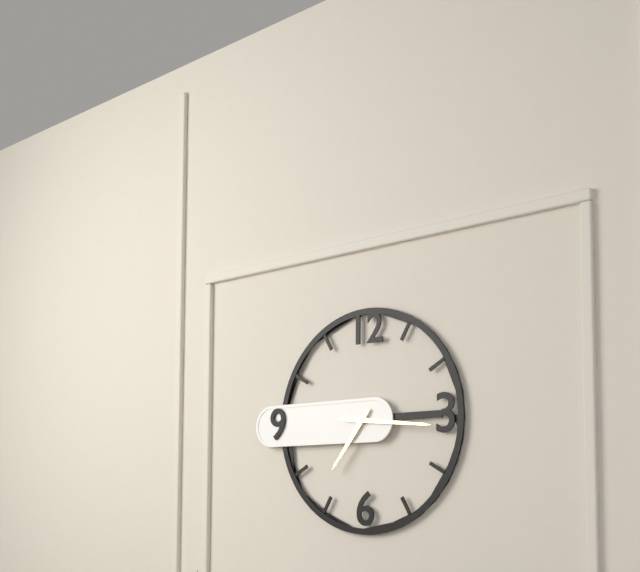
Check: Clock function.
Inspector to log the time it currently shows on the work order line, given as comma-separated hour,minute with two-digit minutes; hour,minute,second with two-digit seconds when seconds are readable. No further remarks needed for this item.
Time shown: 7,16
